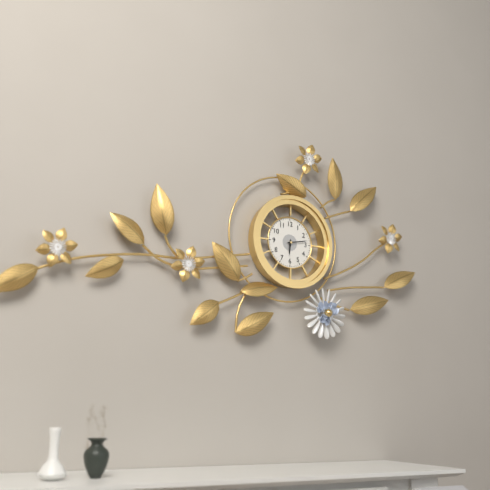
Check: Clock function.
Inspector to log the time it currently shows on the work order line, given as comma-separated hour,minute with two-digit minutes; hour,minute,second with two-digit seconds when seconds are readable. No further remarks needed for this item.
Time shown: 6,13
